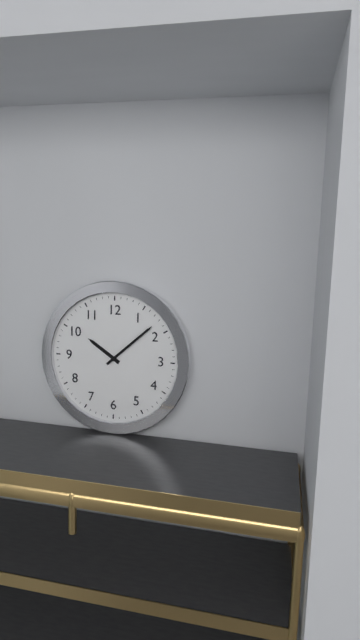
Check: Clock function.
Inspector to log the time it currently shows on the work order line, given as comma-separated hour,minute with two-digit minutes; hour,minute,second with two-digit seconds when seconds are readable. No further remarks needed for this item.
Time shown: 10,08
